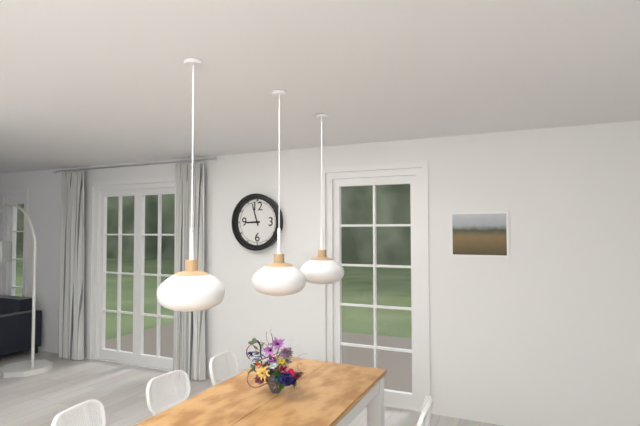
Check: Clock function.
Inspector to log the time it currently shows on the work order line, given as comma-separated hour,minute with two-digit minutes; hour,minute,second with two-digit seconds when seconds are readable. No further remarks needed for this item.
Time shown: 8,57
